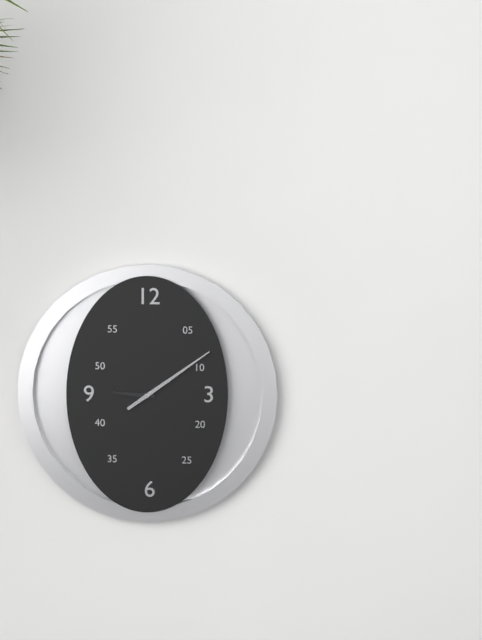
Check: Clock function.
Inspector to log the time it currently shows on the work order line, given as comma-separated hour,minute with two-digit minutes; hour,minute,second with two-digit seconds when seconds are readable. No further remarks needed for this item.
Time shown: 9,09
